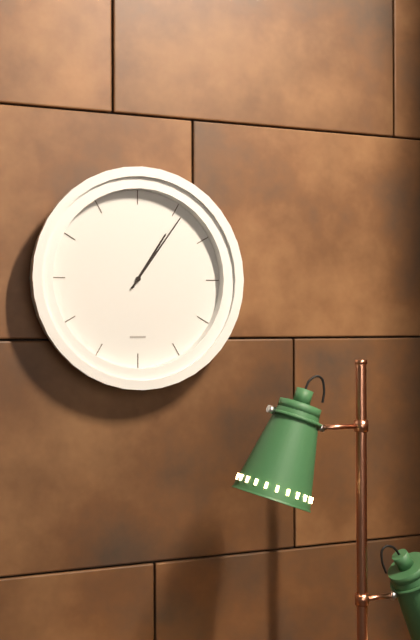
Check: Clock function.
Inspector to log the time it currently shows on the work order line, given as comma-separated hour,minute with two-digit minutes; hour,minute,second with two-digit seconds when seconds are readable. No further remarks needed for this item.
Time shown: 1,06
